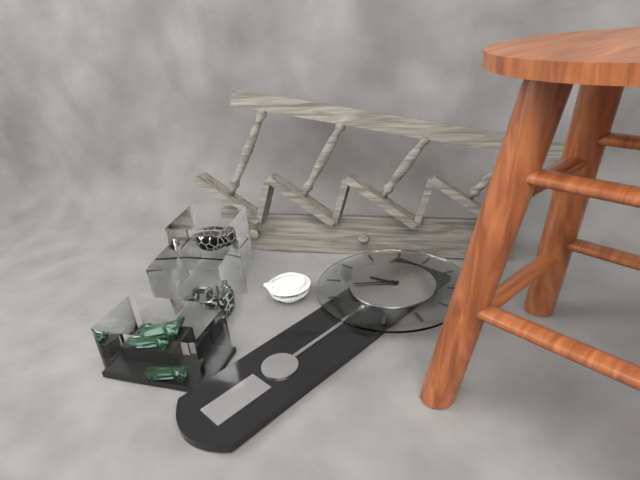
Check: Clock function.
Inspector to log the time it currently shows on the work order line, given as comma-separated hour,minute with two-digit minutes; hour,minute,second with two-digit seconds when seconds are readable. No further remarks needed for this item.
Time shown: 8,38
